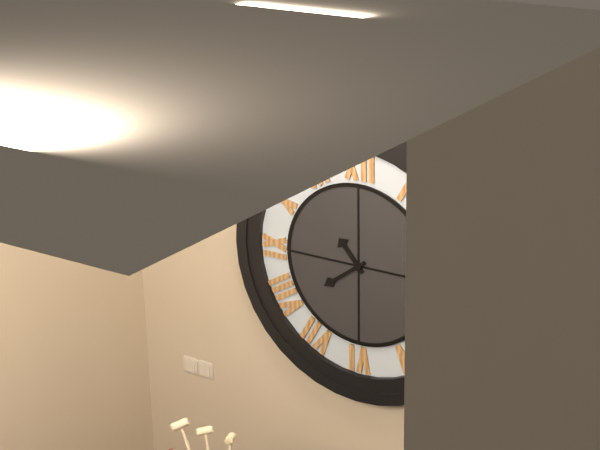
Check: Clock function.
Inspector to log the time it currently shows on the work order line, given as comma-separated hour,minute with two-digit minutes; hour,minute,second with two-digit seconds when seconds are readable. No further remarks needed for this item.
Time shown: 10,39
